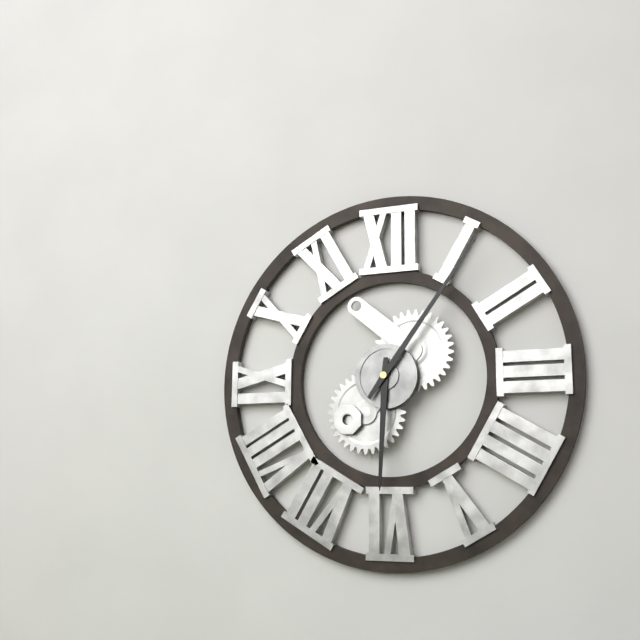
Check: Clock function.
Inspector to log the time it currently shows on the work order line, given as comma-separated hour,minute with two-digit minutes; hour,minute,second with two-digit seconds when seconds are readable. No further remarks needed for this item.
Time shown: 6,06
